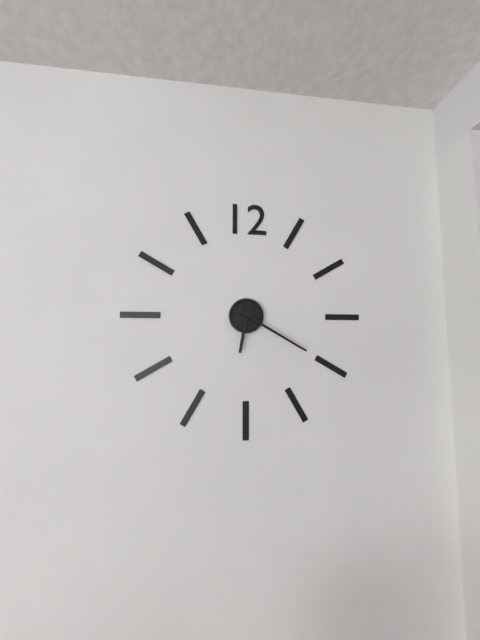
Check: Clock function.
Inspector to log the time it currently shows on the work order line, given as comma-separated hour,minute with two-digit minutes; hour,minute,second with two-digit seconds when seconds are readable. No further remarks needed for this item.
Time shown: 6,20
